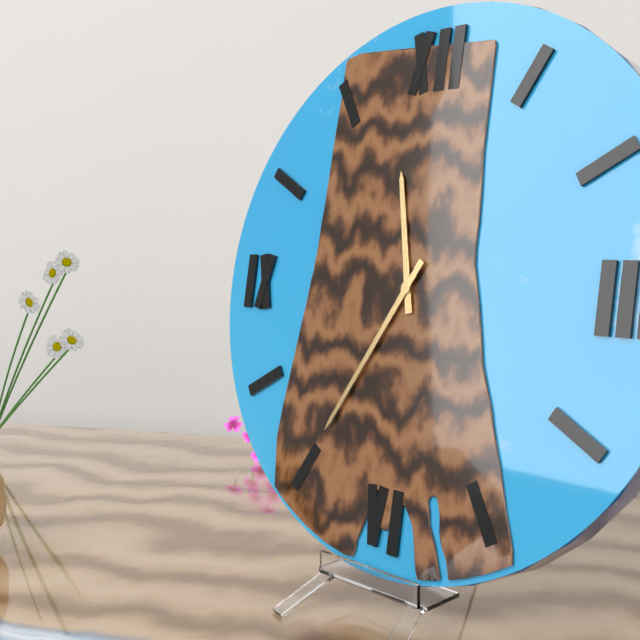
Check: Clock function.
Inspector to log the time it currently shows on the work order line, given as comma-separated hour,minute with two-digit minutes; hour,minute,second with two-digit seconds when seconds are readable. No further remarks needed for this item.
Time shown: 11,35
